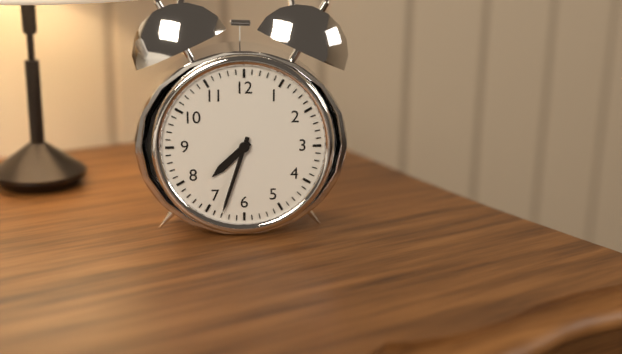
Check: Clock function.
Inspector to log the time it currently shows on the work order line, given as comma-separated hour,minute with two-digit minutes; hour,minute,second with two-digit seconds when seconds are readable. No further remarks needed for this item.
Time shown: 7,33
